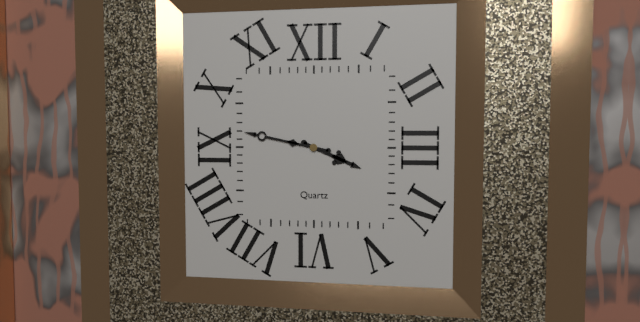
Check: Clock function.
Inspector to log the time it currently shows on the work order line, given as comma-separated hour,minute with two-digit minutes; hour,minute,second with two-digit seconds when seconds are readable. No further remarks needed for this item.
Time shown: 3,47
